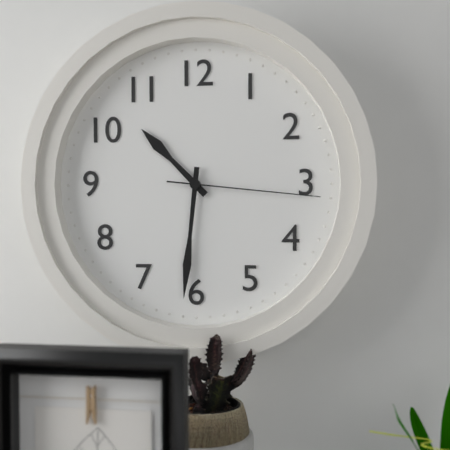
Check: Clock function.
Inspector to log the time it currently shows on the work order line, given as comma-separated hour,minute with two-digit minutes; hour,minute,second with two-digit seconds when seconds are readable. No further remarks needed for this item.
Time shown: 10,31,16
